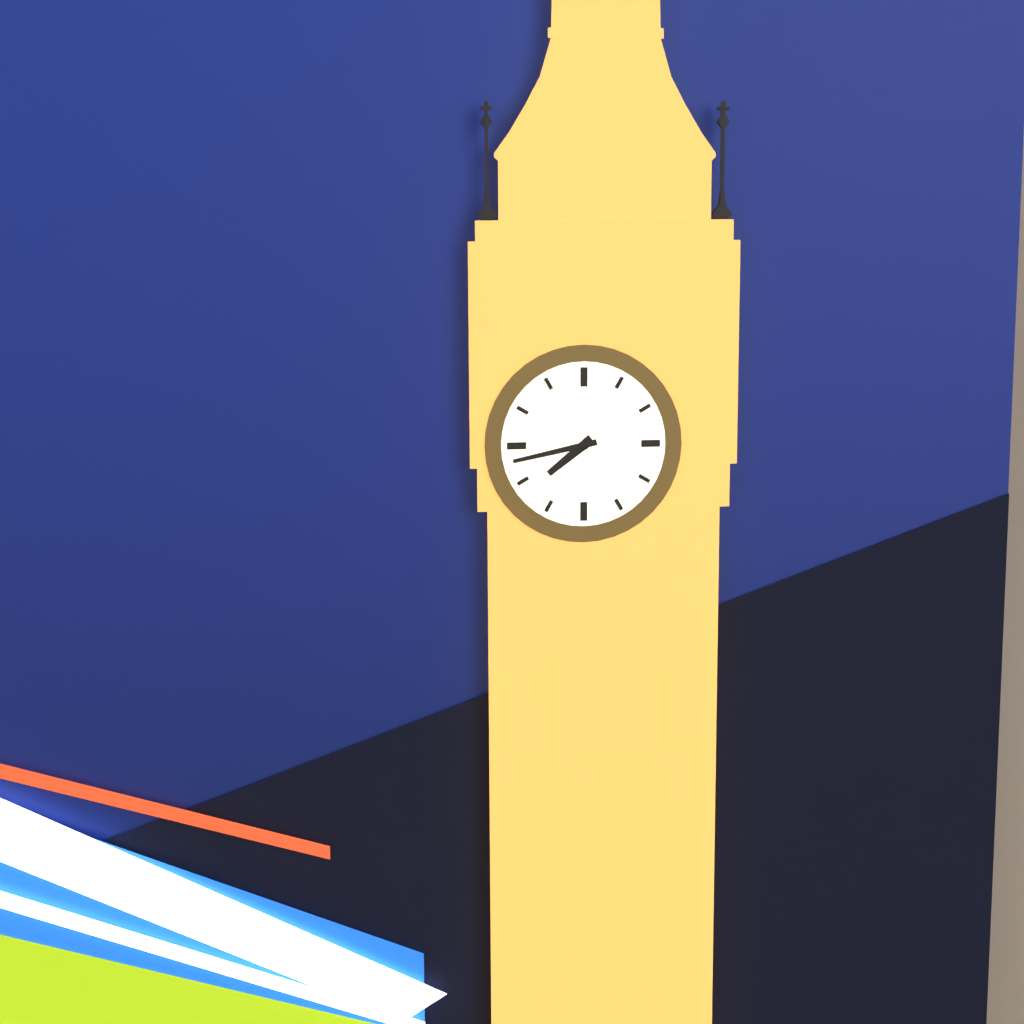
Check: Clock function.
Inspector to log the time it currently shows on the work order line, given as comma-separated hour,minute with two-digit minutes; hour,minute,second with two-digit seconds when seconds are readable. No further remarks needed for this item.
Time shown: 7,43
